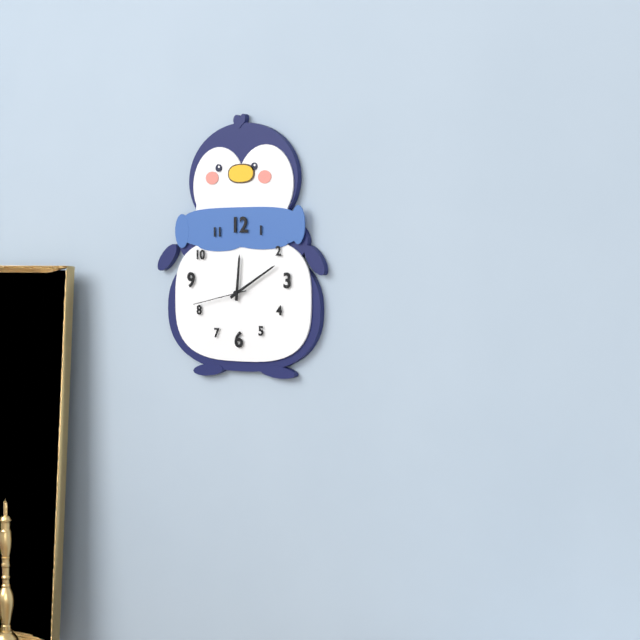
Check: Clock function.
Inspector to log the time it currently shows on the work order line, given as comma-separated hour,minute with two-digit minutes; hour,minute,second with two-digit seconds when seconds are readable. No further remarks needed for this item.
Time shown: 12,10,43
